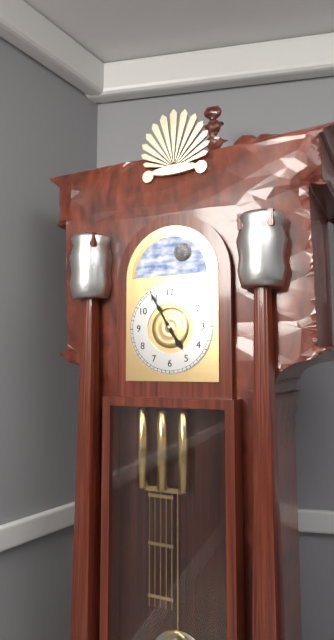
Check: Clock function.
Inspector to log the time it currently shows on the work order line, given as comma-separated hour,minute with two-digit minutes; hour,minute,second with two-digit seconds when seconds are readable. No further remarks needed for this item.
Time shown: 4,55
